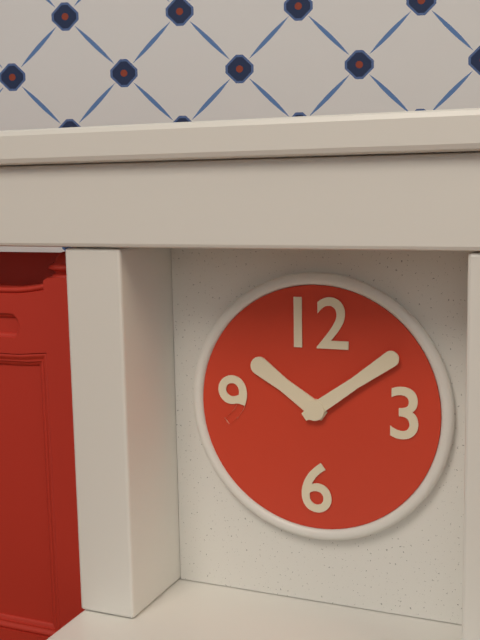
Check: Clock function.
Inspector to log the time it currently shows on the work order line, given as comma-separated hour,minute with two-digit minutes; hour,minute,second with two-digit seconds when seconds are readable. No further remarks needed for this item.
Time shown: 10,09
